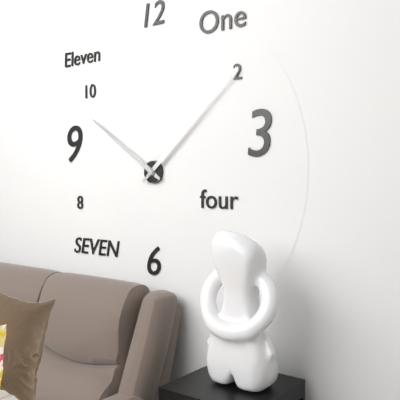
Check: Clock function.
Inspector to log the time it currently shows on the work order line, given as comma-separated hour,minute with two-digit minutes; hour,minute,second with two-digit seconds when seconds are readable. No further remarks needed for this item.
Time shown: 10,08
